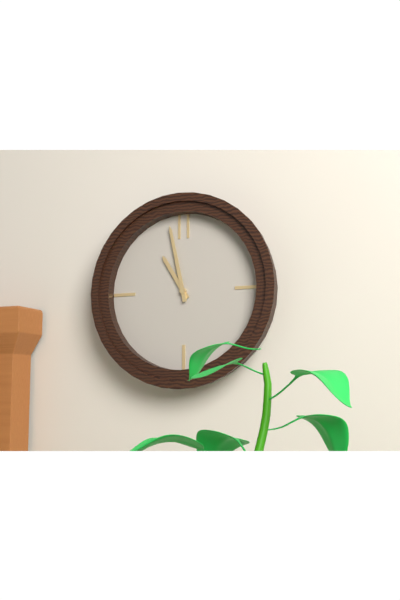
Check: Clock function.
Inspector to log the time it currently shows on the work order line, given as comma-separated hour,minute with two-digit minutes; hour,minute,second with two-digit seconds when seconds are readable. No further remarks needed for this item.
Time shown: 10,58
